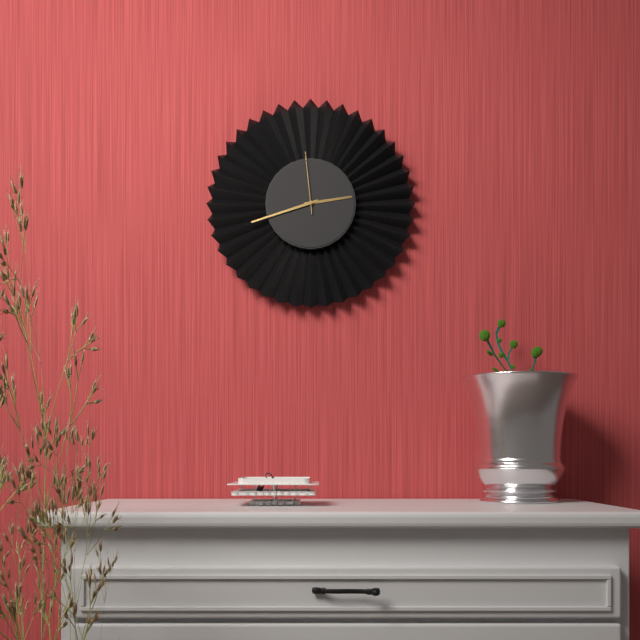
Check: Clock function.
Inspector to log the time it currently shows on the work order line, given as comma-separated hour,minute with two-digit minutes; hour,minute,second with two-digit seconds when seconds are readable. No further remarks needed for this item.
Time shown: 2,42,59
